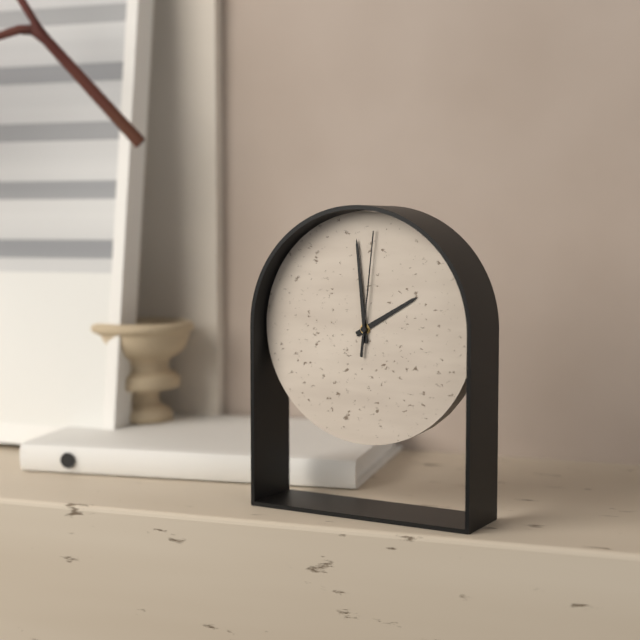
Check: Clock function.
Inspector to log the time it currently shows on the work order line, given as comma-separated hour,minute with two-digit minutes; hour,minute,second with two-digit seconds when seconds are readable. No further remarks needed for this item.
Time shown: 1,59,01
